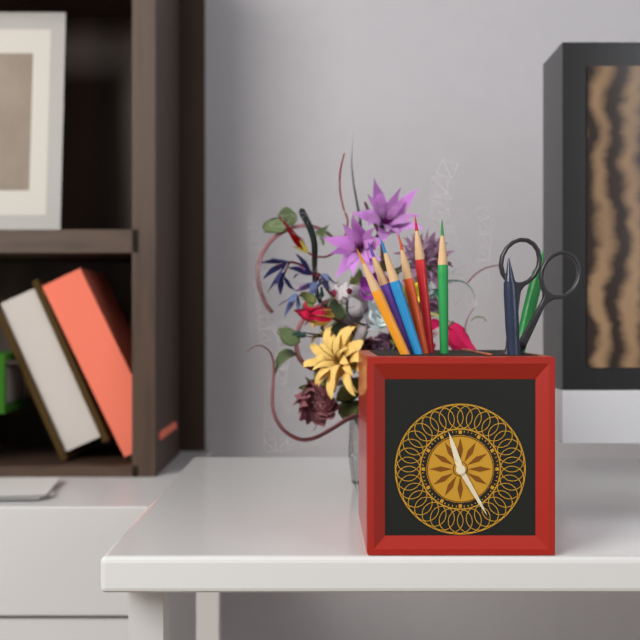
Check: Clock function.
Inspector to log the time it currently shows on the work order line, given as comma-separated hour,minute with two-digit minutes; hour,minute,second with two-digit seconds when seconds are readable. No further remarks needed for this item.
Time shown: 11,25,25
